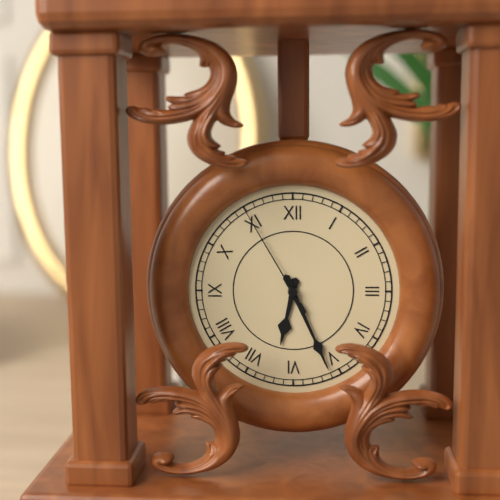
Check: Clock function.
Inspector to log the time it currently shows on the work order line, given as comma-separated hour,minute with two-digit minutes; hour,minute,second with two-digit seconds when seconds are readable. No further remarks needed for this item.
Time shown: 6,26,55
